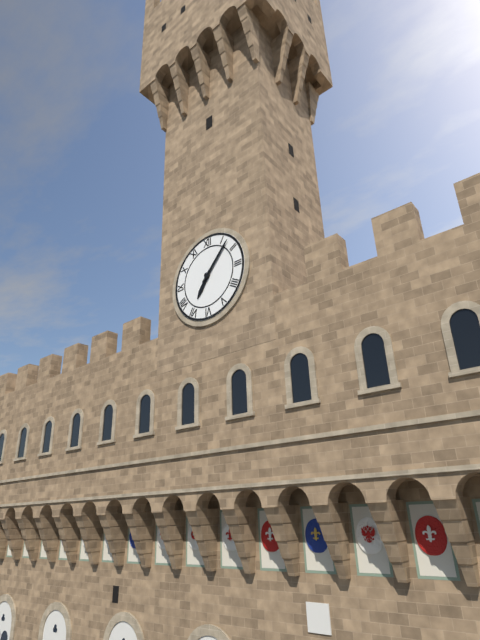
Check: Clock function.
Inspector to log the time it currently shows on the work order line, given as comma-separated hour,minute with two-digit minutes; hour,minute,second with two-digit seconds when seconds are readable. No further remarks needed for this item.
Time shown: 7,07
